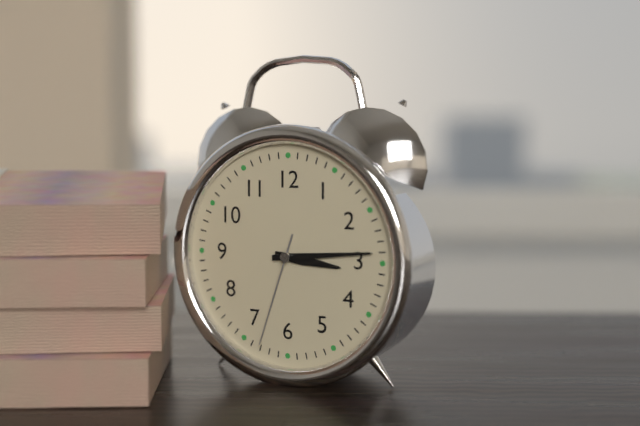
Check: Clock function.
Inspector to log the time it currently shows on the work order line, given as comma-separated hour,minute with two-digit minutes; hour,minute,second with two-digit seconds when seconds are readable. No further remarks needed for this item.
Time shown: 3,14,33
